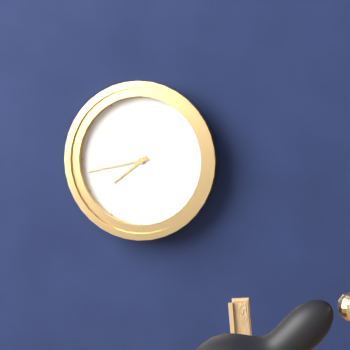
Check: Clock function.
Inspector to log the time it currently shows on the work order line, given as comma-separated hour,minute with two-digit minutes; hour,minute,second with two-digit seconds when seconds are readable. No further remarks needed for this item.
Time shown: 7,43
